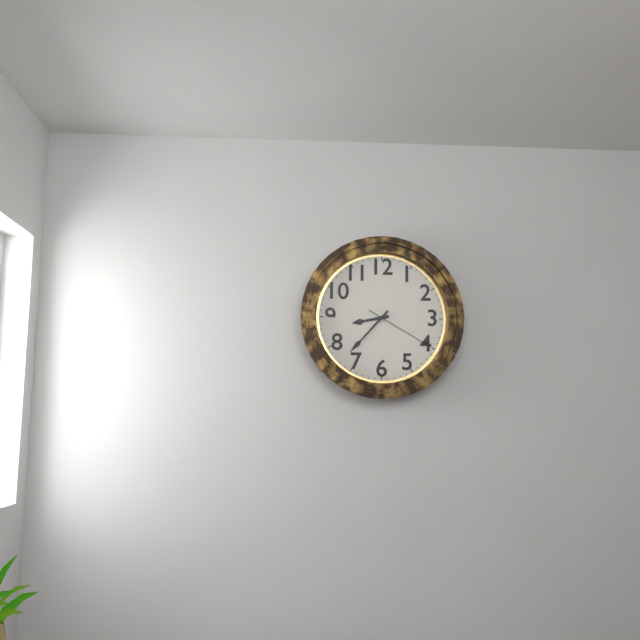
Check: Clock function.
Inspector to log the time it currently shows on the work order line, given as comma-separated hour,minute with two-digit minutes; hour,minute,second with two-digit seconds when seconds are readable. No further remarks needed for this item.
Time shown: 8,37,20
